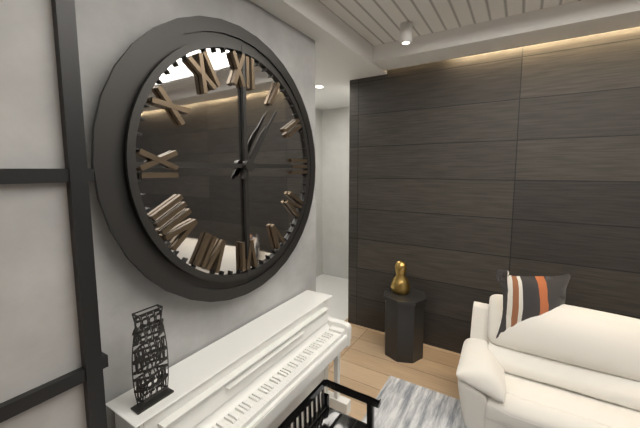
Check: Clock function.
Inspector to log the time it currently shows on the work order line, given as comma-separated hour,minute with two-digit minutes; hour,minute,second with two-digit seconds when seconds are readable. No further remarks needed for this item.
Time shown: 1,06
